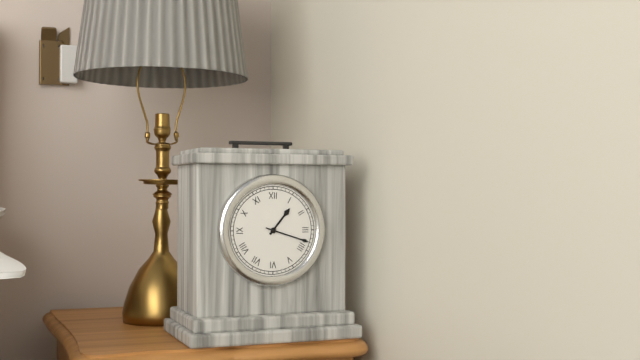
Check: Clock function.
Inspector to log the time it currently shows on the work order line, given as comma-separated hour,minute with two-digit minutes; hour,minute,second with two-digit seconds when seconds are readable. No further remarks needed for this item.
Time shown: 1,18
